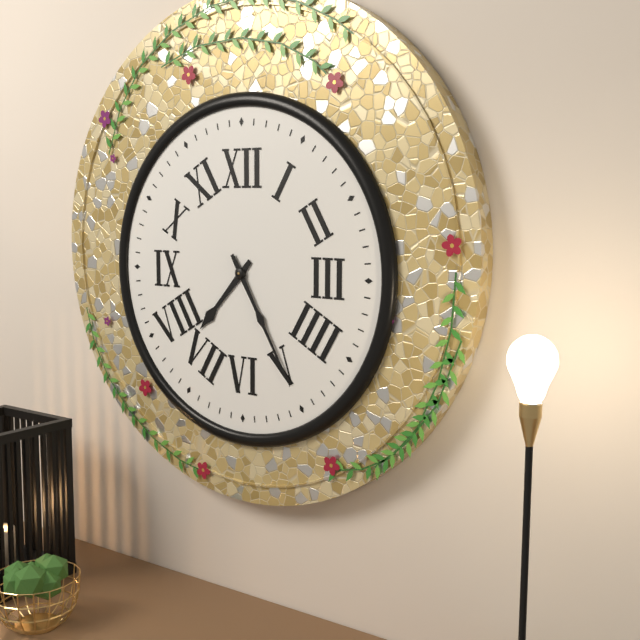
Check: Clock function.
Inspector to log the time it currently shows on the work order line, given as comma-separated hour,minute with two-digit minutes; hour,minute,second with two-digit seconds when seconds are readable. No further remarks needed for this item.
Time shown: 7,25
